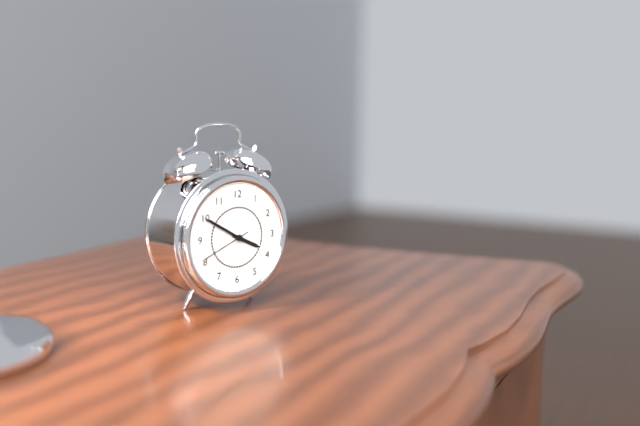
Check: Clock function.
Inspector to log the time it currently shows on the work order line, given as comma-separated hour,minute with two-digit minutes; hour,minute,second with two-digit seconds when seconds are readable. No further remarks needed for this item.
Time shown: 3,50,41
